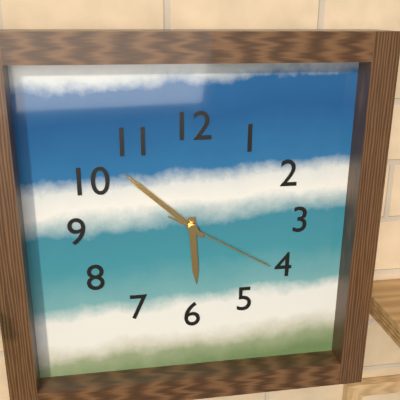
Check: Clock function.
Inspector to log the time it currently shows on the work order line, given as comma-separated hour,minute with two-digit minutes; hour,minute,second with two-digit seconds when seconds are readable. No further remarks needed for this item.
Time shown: 5,52,20
